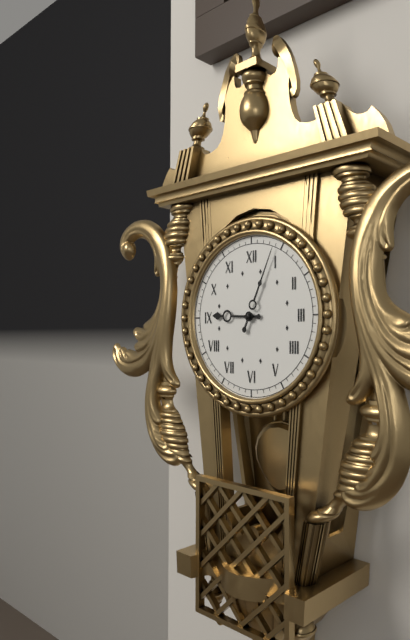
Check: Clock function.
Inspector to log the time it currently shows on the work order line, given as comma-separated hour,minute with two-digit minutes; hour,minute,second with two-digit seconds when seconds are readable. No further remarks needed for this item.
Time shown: 9,04
